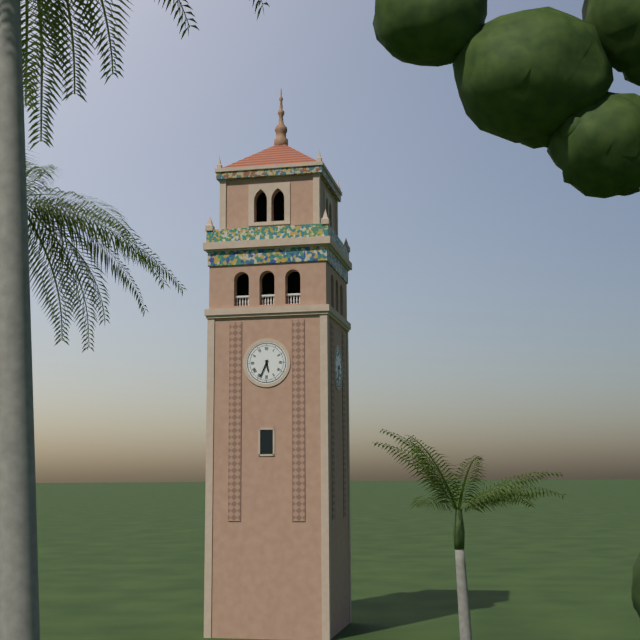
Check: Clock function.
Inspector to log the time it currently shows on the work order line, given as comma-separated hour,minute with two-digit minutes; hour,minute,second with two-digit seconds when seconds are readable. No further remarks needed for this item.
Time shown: 5,34
